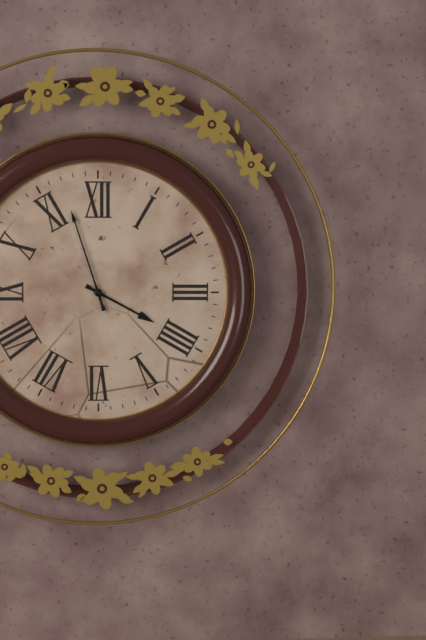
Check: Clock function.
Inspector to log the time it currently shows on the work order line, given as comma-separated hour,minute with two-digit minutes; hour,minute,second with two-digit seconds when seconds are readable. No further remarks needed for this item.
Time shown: 3,57
